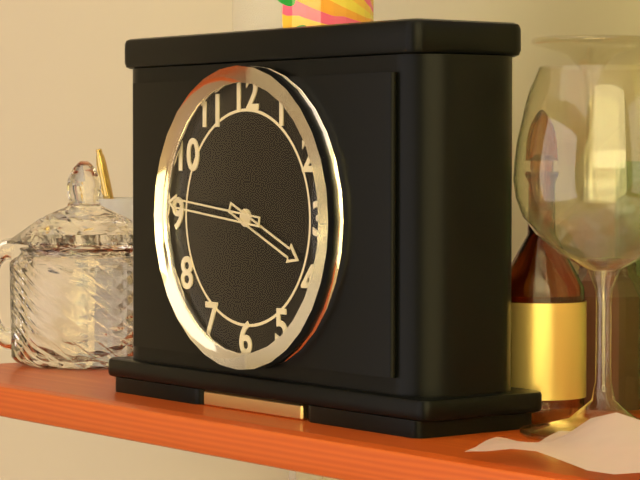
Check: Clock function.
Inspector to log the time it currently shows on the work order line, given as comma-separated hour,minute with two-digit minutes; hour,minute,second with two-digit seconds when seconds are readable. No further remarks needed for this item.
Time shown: 3,46
